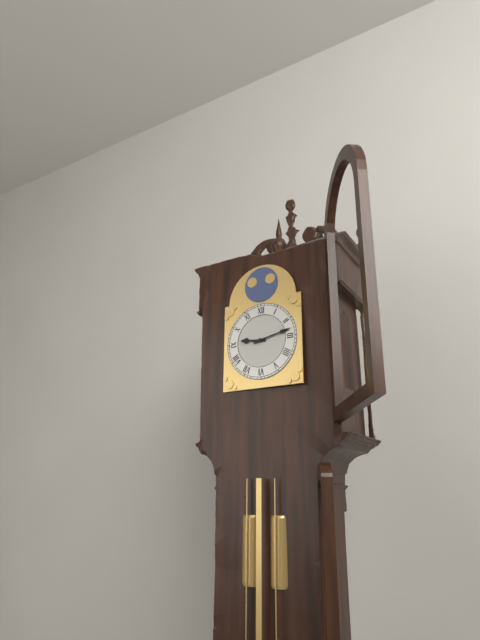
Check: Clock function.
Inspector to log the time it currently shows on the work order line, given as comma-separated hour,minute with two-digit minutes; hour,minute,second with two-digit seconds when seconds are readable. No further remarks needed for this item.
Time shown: 9,13
